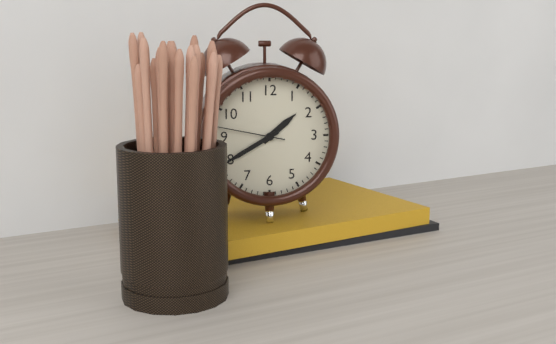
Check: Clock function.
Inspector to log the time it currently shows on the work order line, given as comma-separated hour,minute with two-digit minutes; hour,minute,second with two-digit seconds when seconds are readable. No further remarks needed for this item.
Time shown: 1,40,47
